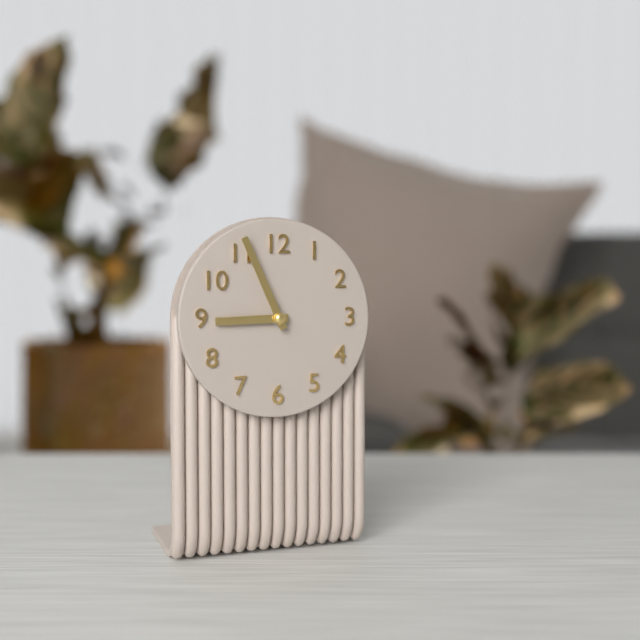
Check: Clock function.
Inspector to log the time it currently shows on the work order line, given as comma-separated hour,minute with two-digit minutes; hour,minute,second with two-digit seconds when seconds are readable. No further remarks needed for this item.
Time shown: 8,56
